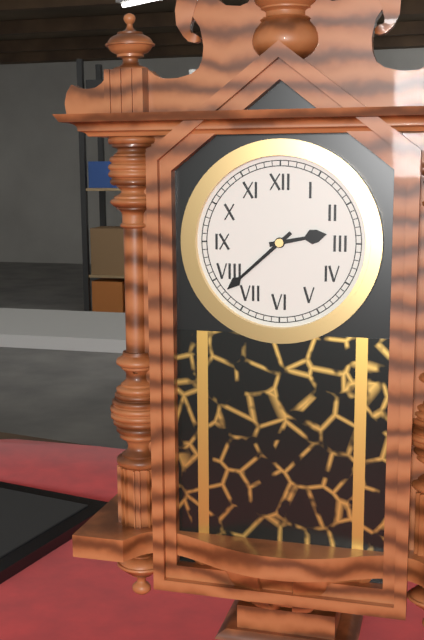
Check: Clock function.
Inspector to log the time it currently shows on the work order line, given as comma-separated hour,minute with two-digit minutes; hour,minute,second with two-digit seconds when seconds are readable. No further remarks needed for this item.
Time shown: 2,38
